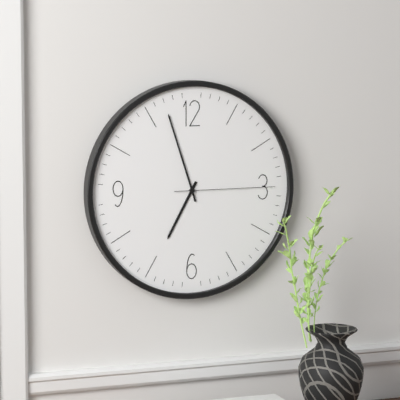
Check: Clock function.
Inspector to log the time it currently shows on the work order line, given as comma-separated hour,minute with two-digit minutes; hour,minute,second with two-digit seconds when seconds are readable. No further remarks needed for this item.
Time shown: 6,57,15
